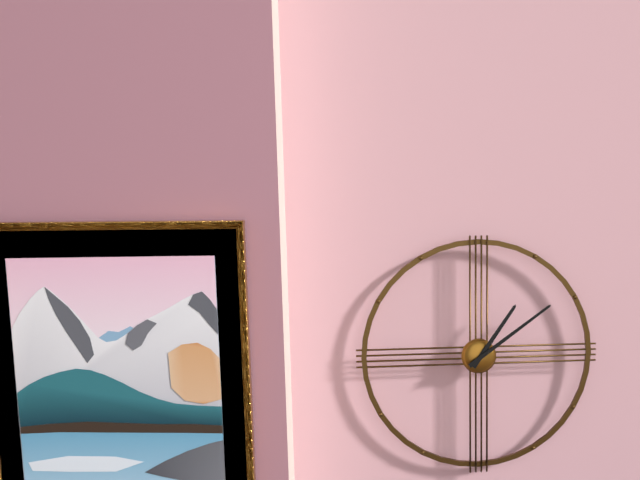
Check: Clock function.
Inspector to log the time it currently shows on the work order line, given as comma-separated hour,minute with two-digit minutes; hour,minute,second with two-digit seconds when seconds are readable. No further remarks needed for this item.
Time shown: 1,09
